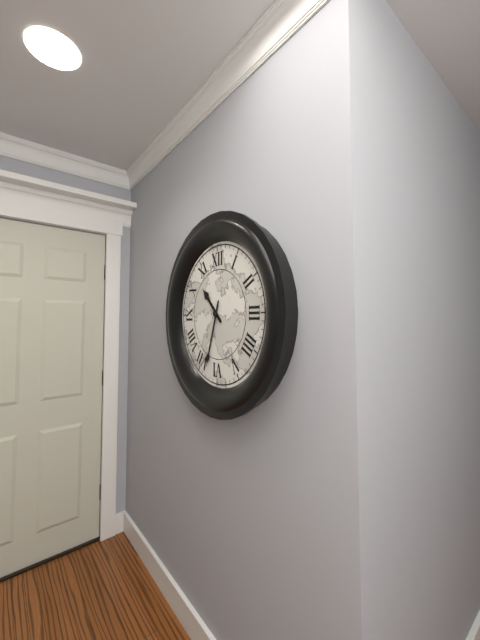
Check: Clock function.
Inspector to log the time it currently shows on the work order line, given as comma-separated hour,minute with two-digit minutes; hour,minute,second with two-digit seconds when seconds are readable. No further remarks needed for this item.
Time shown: 10,33
